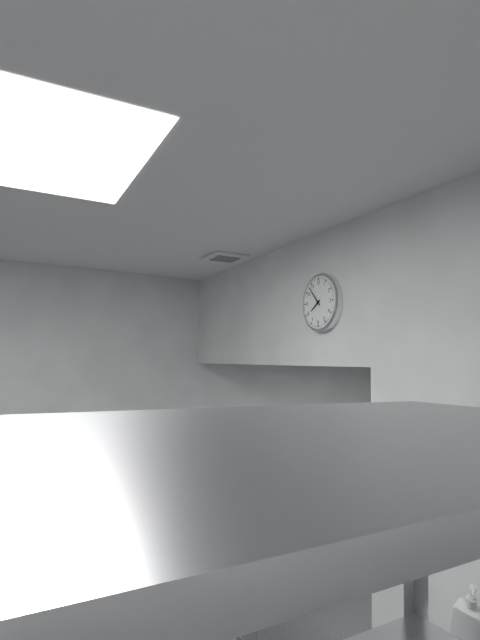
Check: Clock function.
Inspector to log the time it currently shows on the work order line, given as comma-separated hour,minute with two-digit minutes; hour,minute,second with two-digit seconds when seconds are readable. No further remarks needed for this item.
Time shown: 7,53
